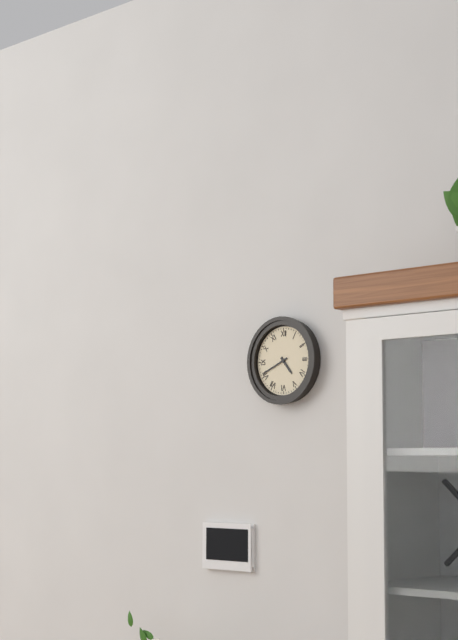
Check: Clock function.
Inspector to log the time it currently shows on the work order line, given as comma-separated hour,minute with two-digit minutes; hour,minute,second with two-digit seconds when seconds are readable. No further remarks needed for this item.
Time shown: 4,41
